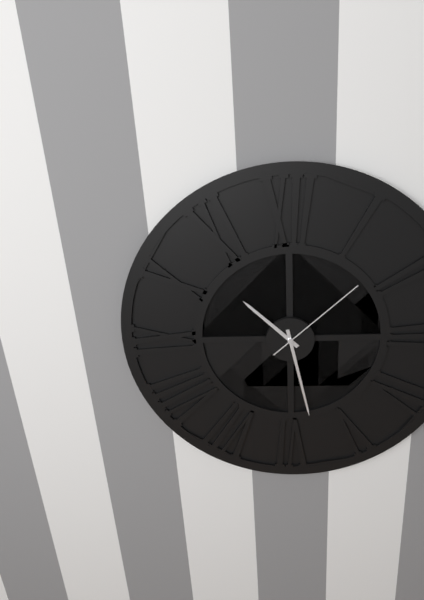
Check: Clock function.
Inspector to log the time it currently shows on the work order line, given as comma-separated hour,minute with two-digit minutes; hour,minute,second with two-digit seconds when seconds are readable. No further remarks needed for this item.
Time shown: 10,28,08
